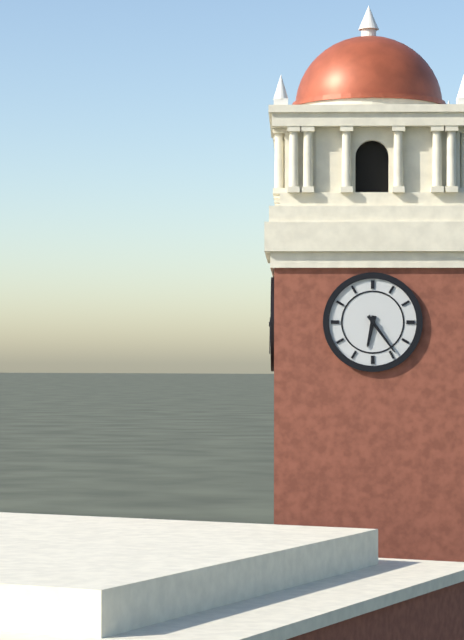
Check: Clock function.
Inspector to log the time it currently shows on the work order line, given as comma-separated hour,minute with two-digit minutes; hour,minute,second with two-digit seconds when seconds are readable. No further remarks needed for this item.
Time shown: 6,24
